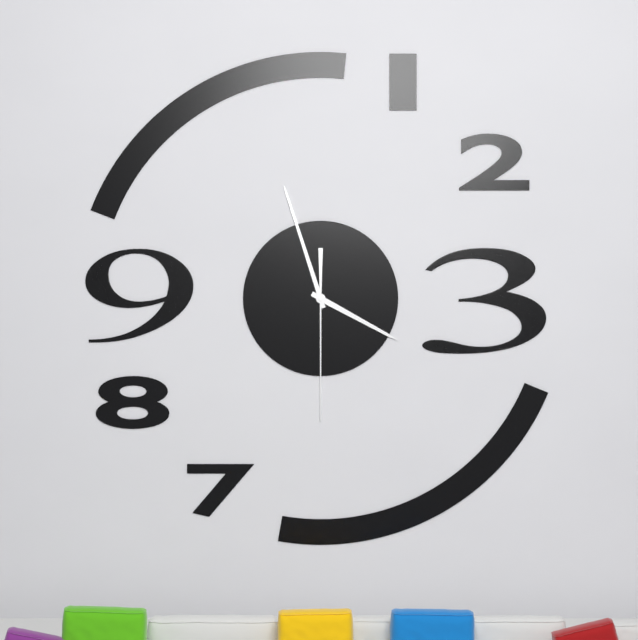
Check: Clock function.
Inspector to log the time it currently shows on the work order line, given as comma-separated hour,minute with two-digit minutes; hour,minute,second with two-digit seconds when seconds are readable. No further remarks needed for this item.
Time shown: 3,57,30
